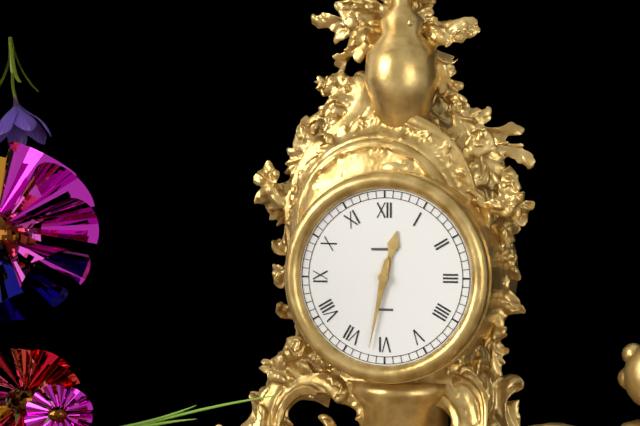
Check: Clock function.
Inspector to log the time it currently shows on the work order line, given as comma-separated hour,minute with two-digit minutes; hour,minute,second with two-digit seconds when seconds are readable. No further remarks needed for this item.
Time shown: 12,32
